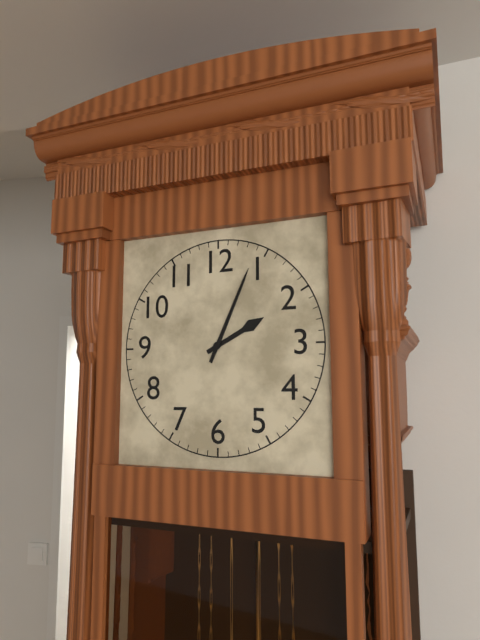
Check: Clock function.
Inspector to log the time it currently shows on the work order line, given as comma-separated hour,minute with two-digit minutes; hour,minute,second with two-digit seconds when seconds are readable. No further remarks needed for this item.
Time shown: 2,04
